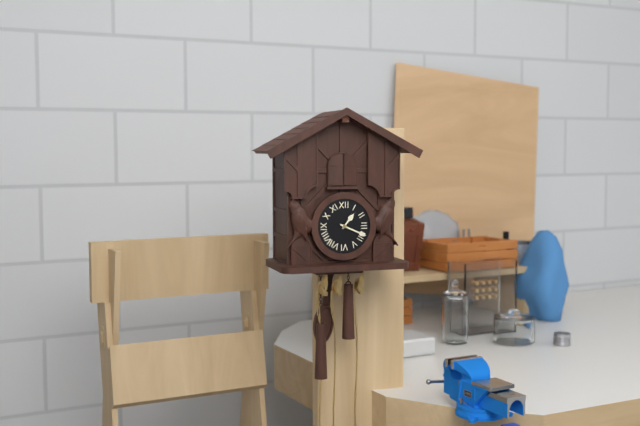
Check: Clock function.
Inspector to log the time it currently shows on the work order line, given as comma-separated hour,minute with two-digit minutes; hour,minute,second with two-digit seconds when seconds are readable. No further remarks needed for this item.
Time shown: 1,19
